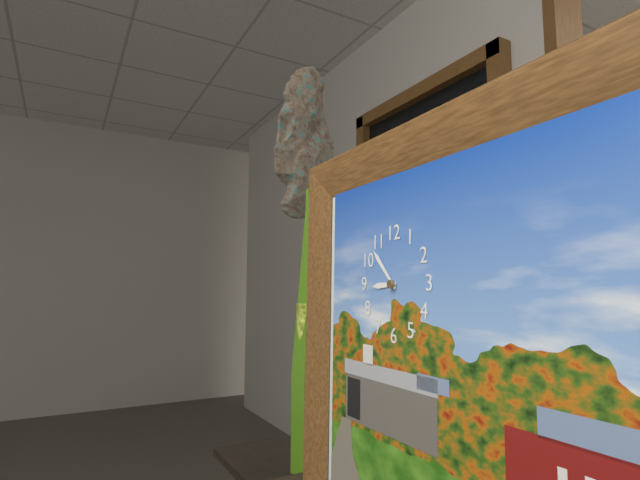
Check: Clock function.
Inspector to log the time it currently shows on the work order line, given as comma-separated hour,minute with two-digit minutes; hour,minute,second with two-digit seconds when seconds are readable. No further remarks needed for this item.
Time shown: 8,53
